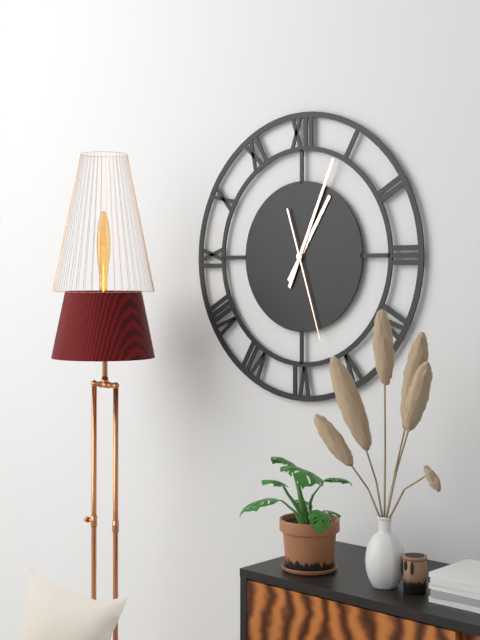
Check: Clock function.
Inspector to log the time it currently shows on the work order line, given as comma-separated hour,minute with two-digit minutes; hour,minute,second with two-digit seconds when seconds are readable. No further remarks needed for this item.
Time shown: 1,04,27
